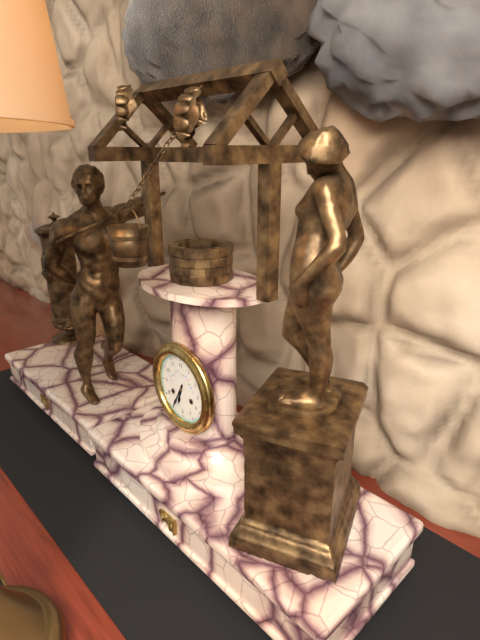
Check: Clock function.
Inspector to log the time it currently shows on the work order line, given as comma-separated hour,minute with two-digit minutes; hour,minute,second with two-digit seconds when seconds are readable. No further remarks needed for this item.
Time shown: 6,35
